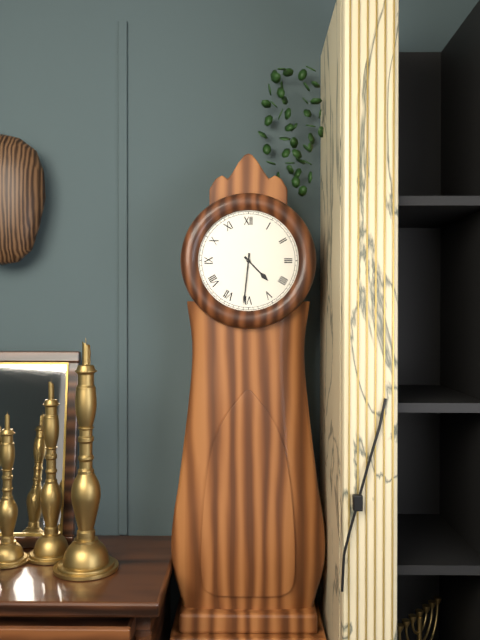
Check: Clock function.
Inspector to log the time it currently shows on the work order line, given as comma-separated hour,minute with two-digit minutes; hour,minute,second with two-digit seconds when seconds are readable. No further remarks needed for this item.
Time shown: 4,31
